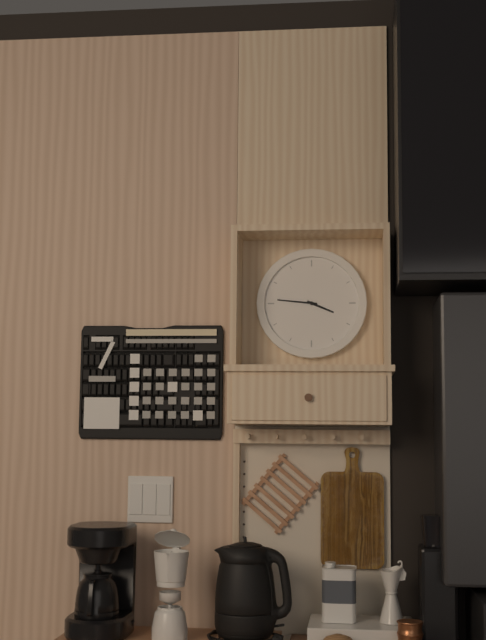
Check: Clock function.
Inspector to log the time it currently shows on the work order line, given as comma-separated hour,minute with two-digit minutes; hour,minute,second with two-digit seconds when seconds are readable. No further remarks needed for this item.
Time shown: 3,46
